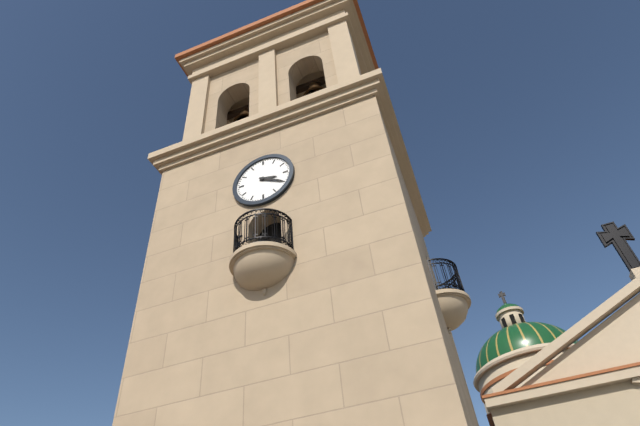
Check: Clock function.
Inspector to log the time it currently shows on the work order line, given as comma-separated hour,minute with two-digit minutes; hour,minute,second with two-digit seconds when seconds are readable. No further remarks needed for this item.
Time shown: 3,20
